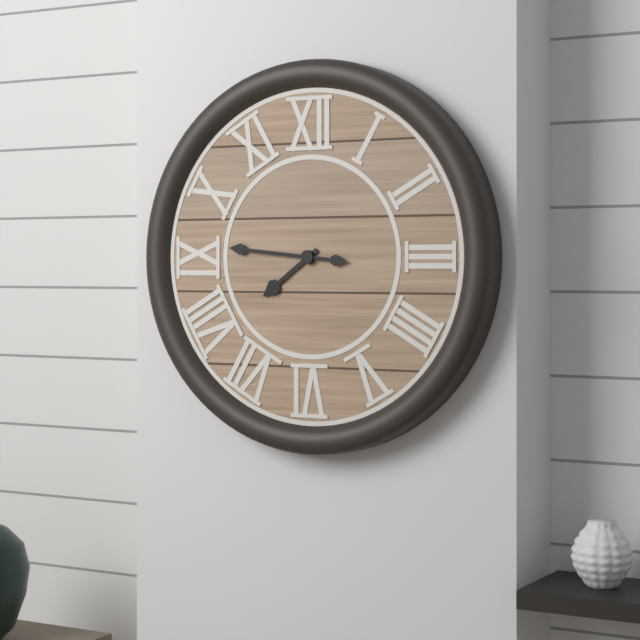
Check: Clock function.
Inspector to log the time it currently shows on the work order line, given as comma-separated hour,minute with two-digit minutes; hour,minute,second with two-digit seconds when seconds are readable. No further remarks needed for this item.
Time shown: 7,46
